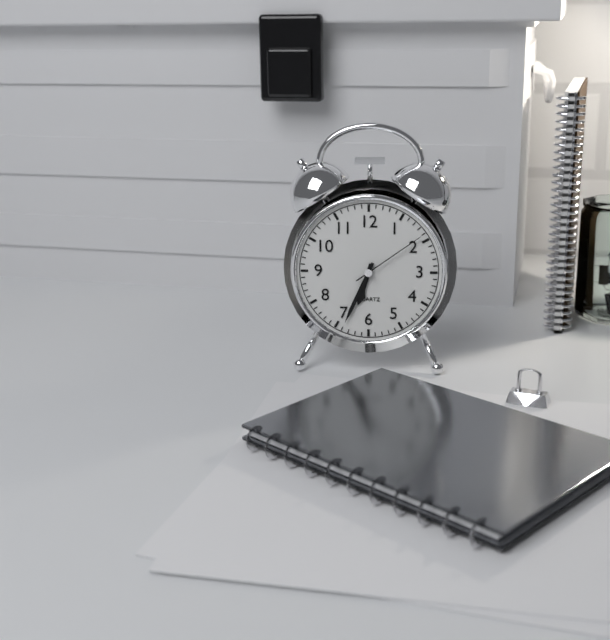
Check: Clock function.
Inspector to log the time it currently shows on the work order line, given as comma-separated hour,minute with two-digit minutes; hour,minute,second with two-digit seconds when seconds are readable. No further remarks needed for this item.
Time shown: 6,34,09
